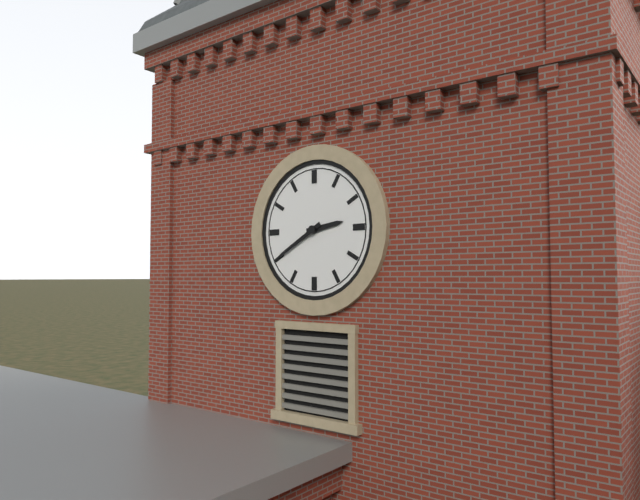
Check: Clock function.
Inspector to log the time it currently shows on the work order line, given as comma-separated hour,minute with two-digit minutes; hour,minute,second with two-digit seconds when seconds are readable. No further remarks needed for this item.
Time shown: 2,40
